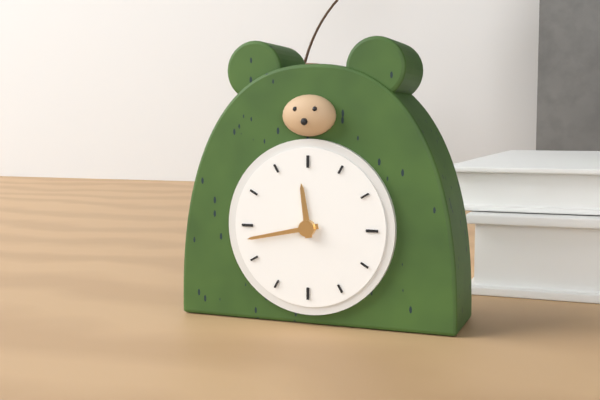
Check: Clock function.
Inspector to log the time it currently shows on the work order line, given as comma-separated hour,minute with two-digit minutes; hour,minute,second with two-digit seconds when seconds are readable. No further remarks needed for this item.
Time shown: 11,43
